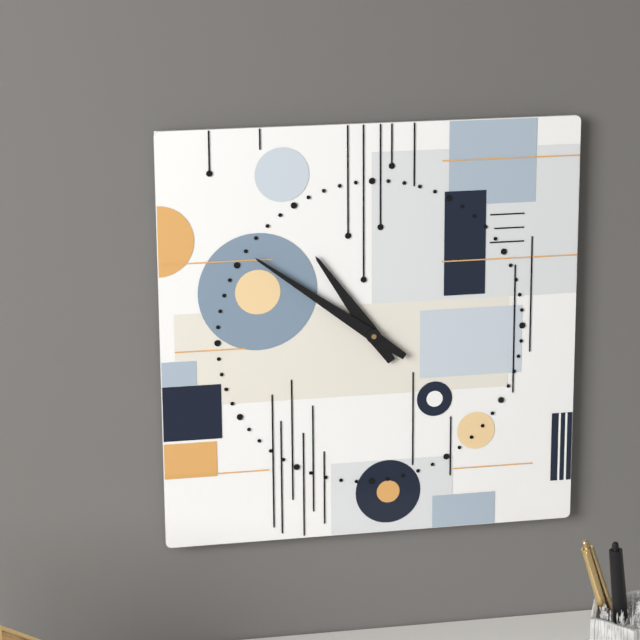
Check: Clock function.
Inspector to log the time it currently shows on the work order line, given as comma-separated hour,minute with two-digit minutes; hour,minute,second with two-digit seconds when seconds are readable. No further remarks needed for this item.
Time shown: 10,51
